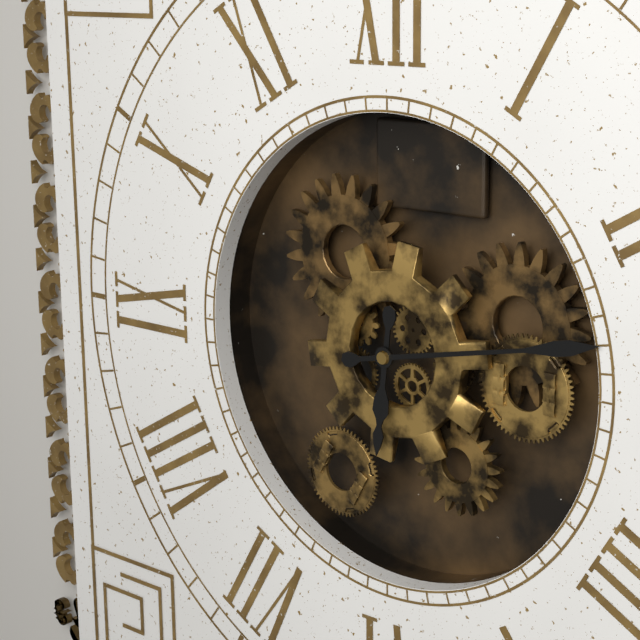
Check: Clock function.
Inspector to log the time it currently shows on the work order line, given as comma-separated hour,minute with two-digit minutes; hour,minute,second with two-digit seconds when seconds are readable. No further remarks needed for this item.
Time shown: 6,13
